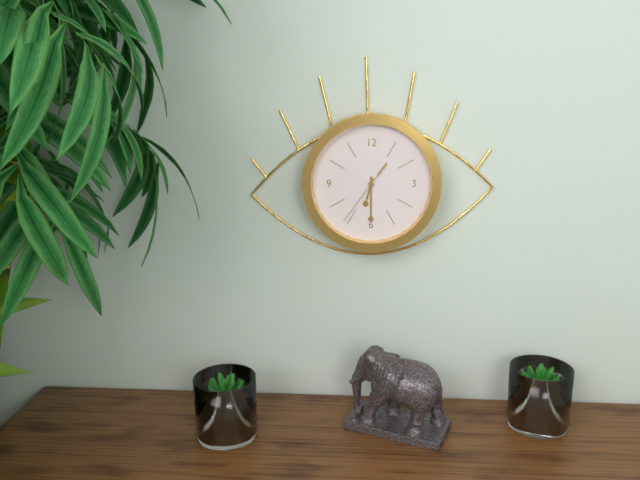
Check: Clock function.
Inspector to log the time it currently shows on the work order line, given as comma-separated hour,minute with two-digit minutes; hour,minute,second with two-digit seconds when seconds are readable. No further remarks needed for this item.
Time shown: 6,30,36
